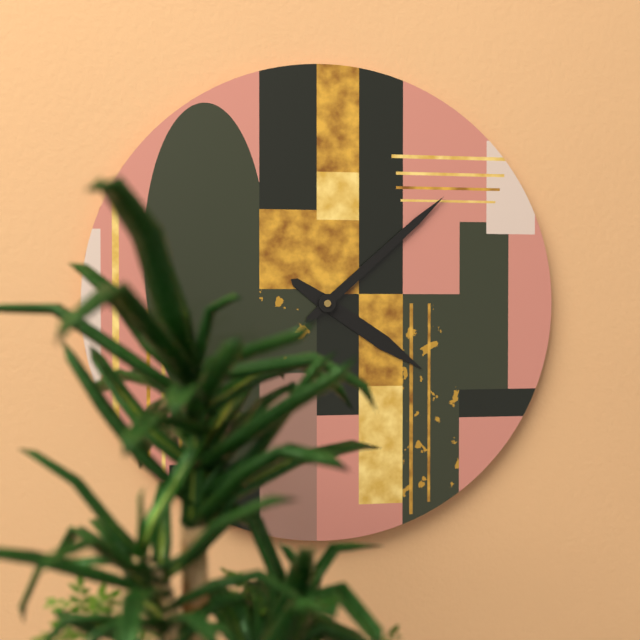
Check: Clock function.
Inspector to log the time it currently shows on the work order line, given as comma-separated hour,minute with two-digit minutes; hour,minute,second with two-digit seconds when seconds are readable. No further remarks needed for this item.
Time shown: 4,08
